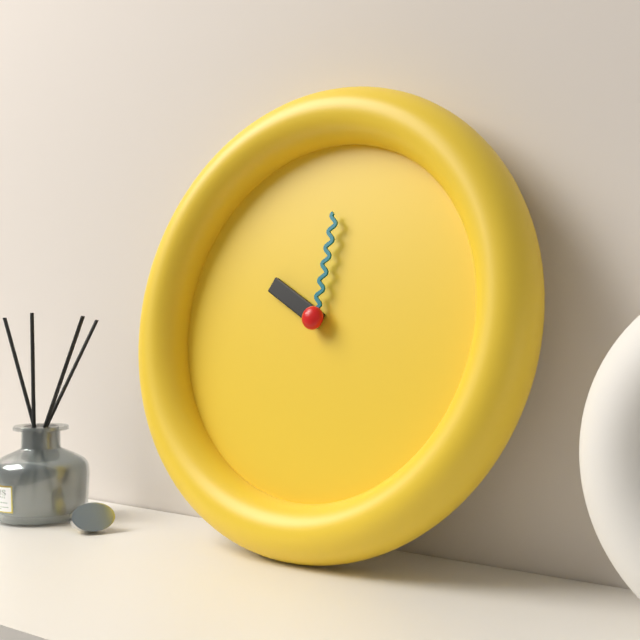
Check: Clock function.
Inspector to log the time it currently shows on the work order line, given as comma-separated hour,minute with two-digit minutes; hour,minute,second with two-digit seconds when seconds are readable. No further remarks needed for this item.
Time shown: 10,01
